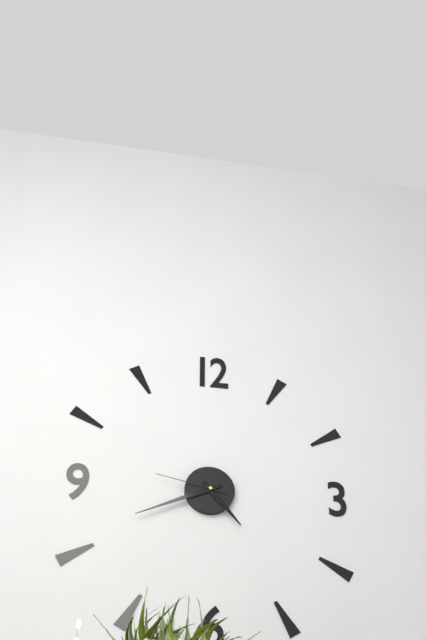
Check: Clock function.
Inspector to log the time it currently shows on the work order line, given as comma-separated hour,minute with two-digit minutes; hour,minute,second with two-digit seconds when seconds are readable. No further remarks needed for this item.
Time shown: 4,41,47
